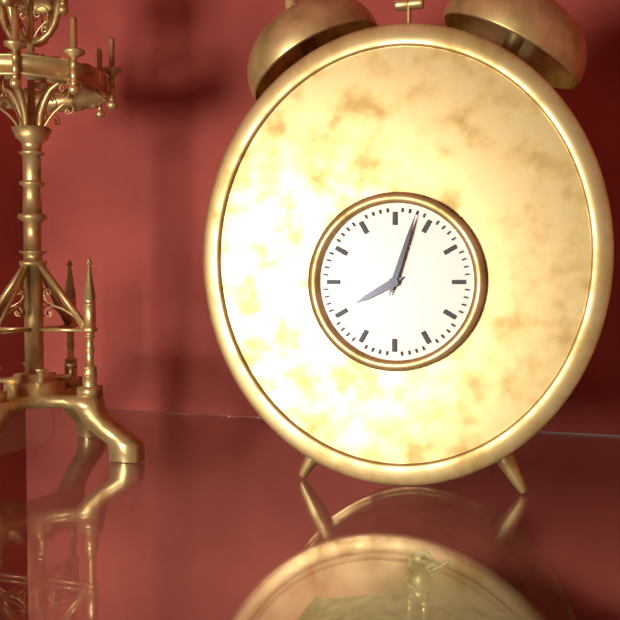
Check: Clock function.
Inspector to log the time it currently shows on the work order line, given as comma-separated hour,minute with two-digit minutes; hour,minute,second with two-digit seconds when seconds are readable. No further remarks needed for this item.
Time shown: 8,03
